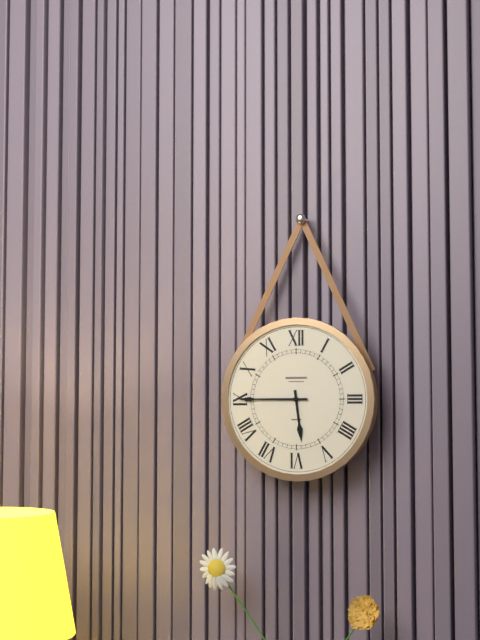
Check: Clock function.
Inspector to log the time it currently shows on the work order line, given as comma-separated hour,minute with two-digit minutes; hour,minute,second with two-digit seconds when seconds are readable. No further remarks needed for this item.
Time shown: 5,45
